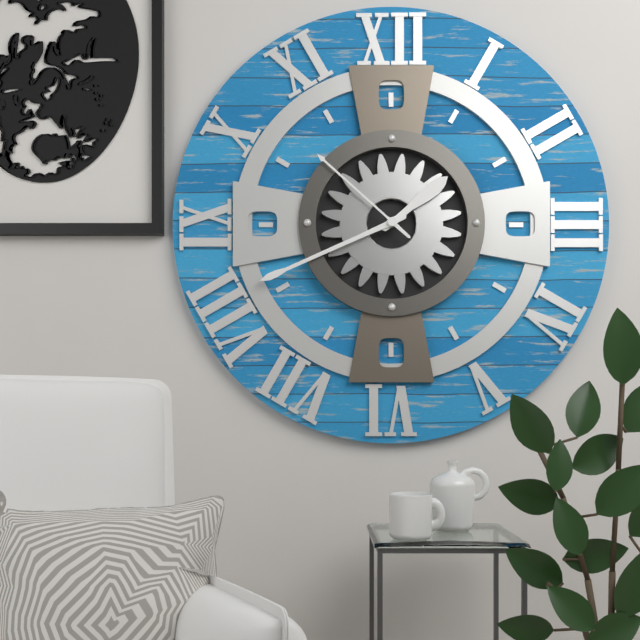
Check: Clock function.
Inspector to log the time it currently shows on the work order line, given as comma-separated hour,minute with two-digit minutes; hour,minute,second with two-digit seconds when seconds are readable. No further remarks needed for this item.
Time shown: 1,41,52
